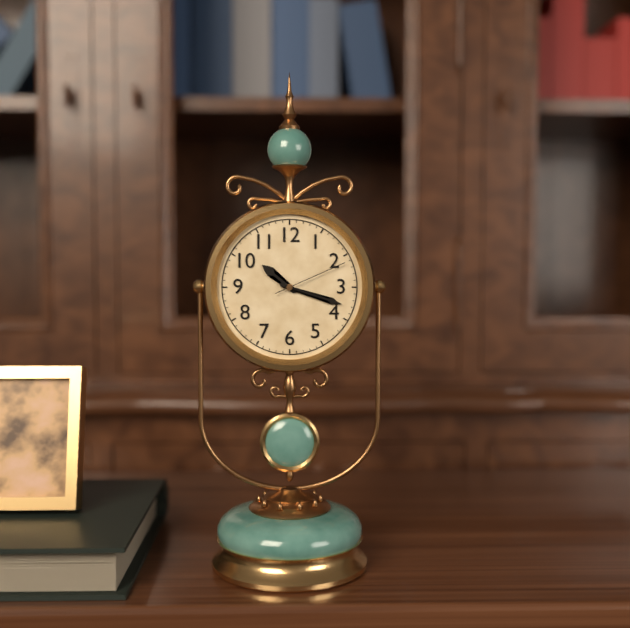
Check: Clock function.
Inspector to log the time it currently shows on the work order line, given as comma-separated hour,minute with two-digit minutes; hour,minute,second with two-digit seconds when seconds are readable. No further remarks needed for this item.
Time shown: 10,18,11
